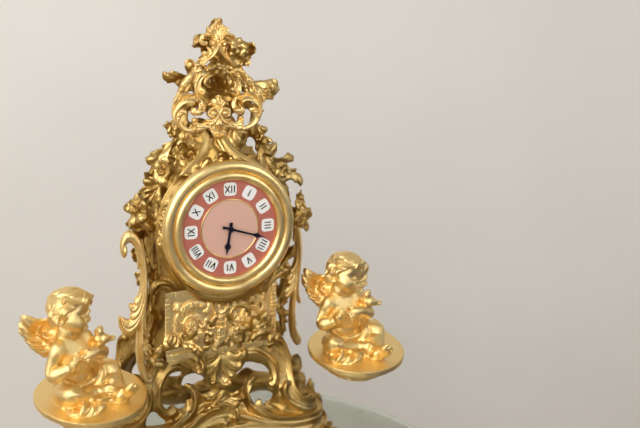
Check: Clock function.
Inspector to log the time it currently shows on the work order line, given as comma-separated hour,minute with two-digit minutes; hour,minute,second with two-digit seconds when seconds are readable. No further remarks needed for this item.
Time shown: 6,18
